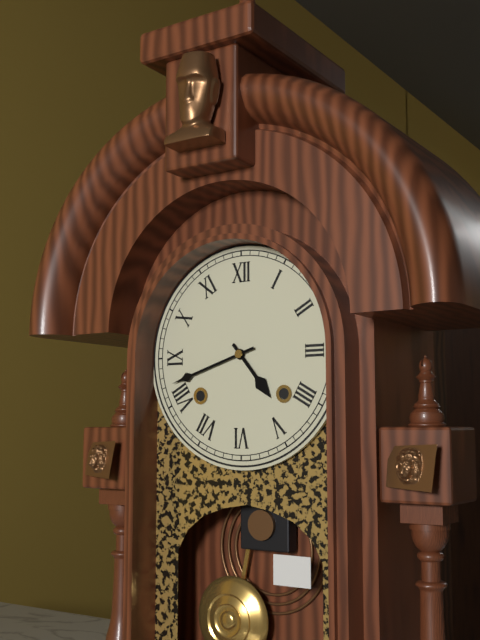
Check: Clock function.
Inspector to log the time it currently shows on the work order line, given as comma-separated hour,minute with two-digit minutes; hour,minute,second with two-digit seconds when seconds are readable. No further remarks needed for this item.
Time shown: 4,42
